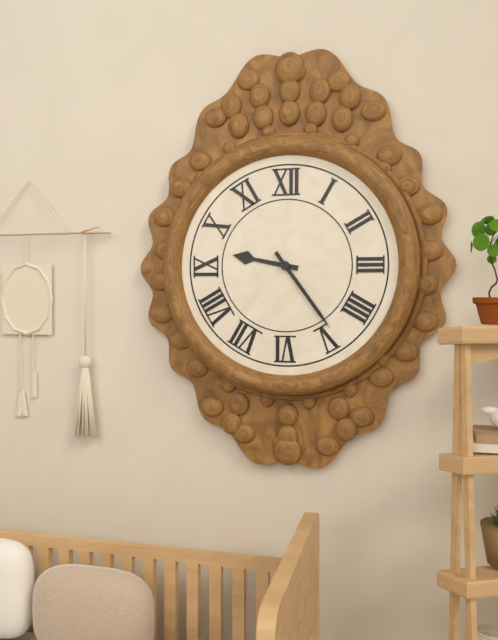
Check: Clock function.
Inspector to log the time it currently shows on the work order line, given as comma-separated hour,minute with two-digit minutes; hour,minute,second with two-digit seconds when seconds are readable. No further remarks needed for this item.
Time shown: 9,24
